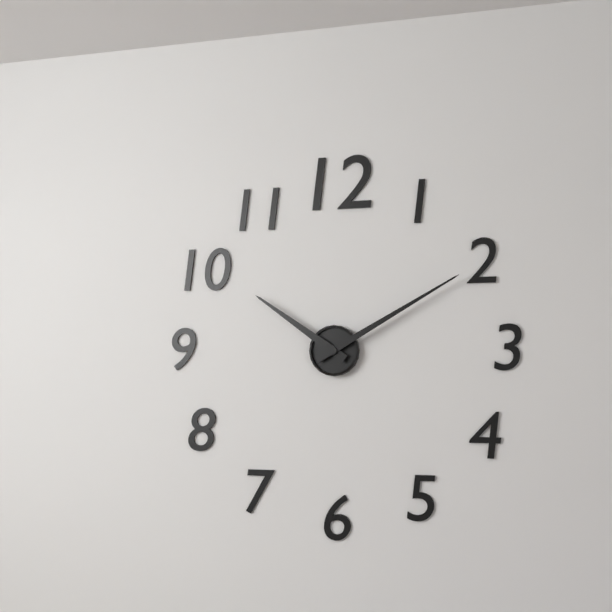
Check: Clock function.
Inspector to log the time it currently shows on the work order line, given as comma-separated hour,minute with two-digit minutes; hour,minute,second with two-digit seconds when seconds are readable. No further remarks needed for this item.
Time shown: 10,10
